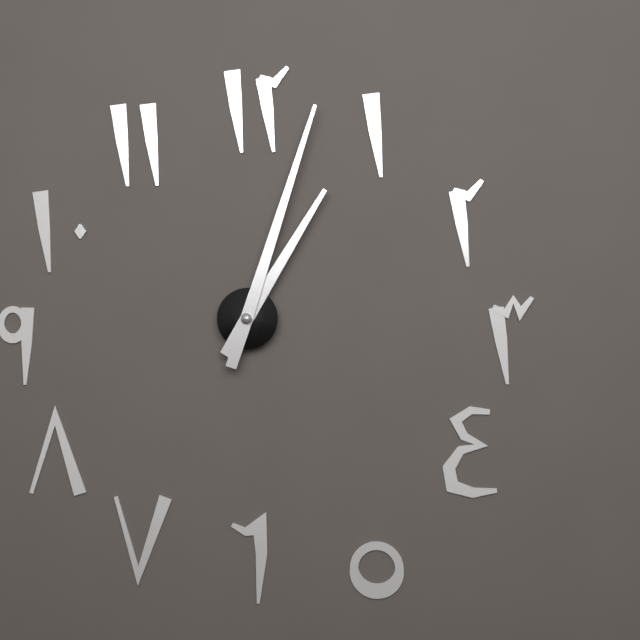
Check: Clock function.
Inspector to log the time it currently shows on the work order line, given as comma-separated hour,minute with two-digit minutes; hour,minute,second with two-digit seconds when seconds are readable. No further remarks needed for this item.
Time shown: 1,03
